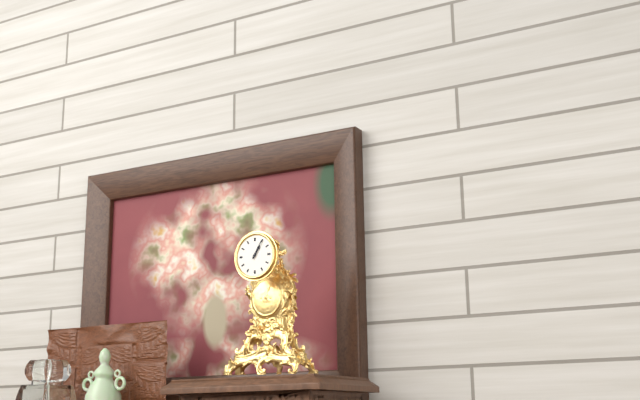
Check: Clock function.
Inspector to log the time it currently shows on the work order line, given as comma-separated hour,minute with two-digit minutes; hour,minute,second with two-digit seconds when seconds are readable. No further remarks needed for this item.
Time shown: 1,05
